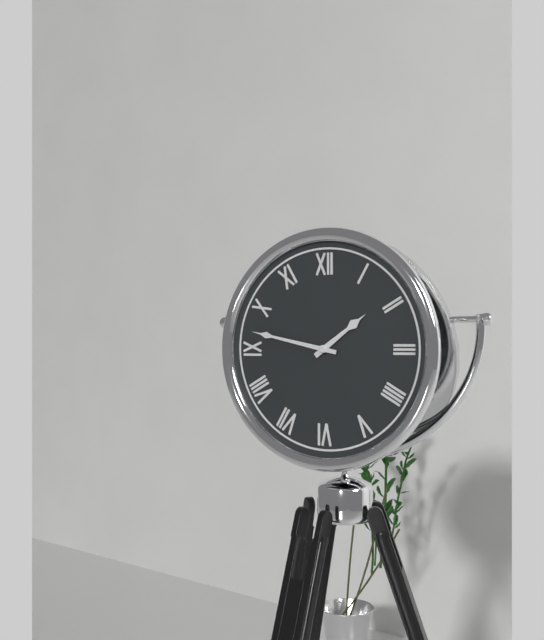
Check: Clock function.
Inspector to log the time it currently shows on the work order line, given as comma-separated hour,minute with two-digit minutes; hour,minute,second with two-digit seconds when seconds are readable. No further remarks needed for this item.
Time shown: 1,47
